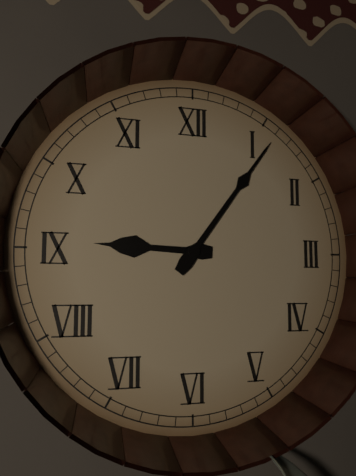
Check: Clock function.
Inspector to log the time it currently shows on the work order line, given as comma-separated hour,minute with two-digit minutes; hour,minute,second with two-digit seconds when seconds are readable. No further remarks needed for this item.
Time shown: 9,06
